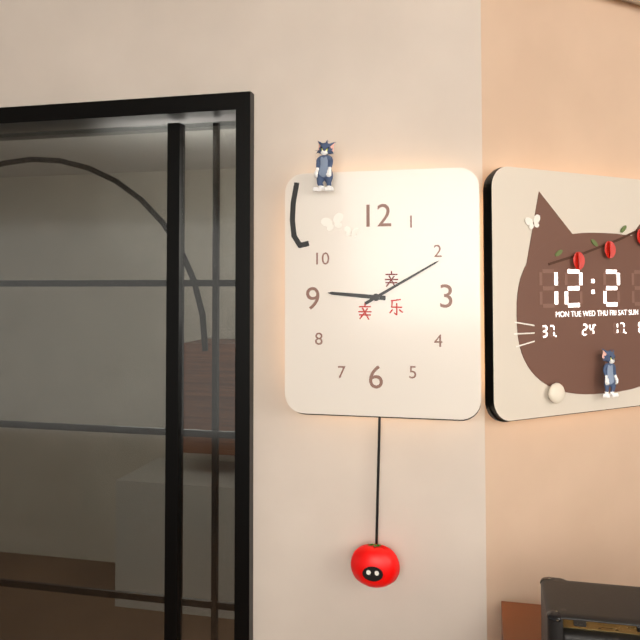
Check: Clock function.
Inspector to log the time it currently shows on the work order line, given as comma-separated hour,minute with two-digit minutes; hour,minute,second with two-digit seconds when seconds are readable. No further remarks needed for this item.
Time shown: 9,10
